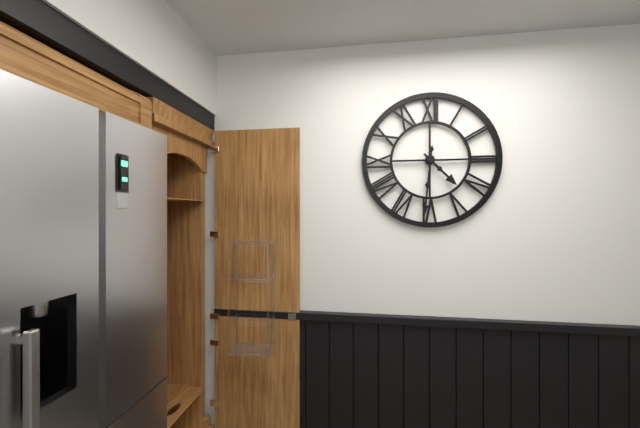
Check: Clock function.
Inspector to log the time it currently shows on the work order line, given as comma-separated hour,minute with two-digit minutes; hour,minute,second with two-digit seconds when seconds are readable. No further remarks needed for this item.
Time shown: 4,31
